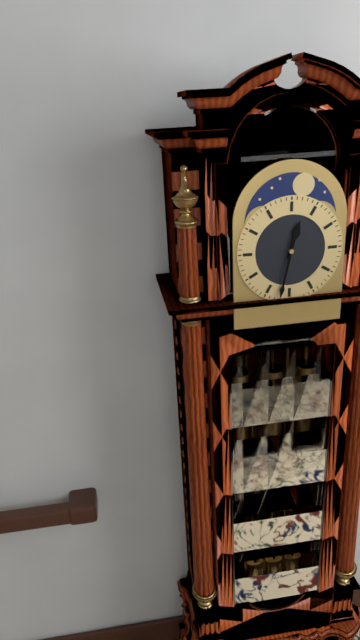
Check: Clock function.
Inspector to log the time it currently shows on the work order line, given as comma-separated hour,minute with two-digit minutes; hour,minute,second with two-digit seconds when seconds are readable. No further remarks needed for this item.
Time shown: 12,32
